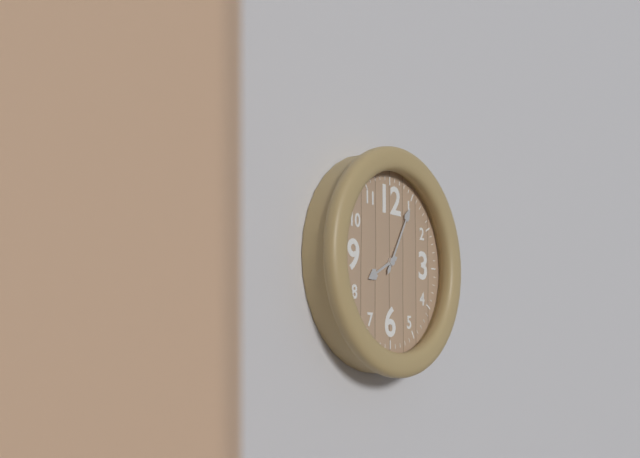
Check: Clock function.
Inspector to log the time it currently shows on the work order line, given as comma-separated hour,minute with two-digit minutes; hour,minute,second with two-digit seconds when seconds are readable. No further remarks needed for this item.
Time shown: 8,05
